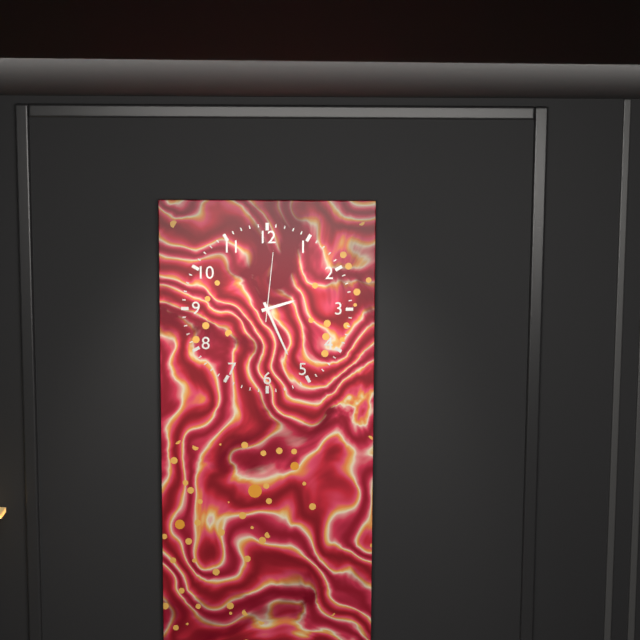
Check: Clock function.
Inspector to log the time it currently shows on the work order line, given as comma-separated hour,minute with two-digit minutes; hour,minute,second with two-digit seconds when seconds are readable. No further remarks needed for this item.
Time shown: 2,26,01
